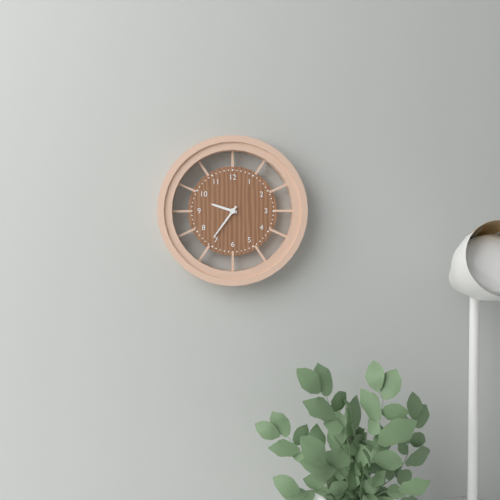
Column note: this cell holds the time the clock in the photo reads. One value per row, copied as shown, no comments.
9:36
